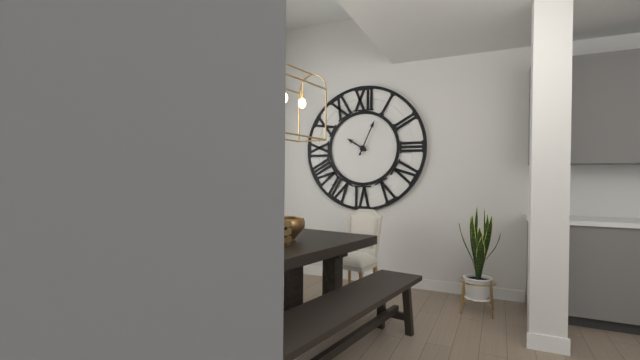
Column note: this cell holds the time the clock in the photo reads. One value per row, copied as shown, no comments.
10:04
